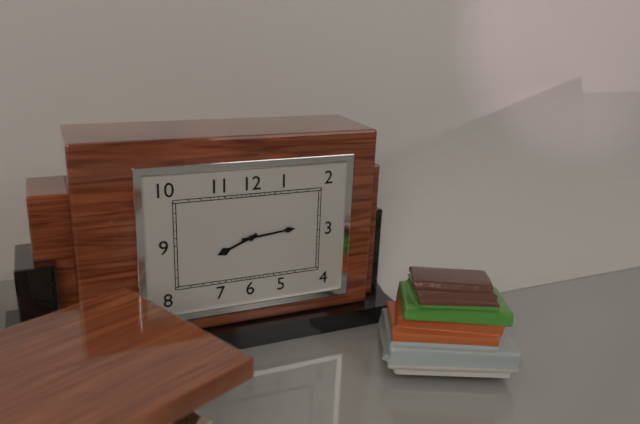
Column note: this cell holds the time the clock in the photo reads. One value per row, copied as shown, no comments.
8:14
